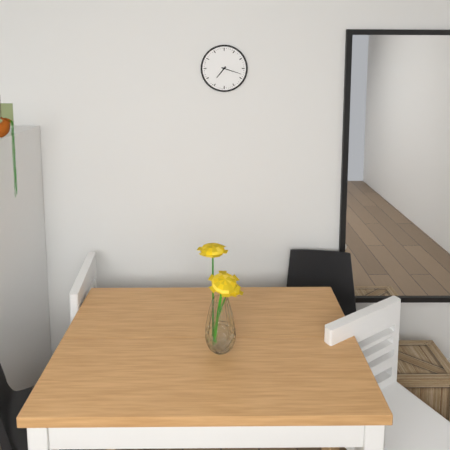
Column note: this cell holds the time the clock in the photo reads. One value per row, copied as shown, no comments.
7:18
